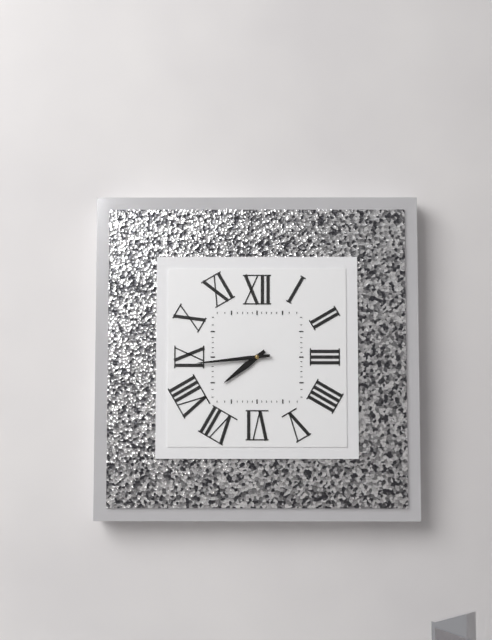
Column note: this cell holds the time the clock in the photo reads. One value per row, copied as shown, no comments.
7:44
